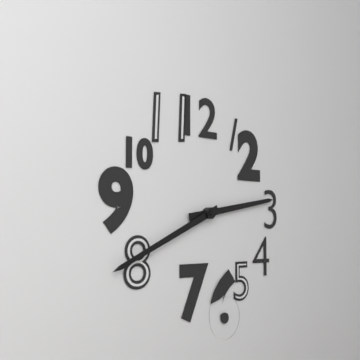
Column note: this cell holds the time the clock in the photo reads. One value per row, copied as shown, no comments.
2:41
